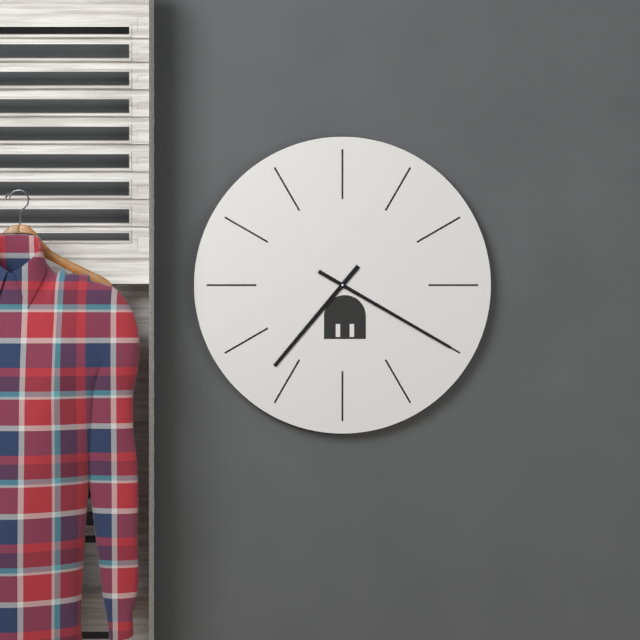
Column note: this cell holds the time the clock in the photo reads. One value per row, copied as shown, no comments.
7:20
